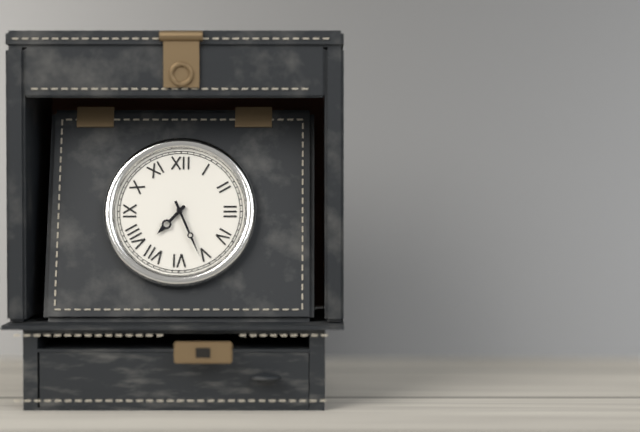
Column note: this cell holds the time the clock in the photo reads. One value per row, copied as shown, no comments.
7:26
